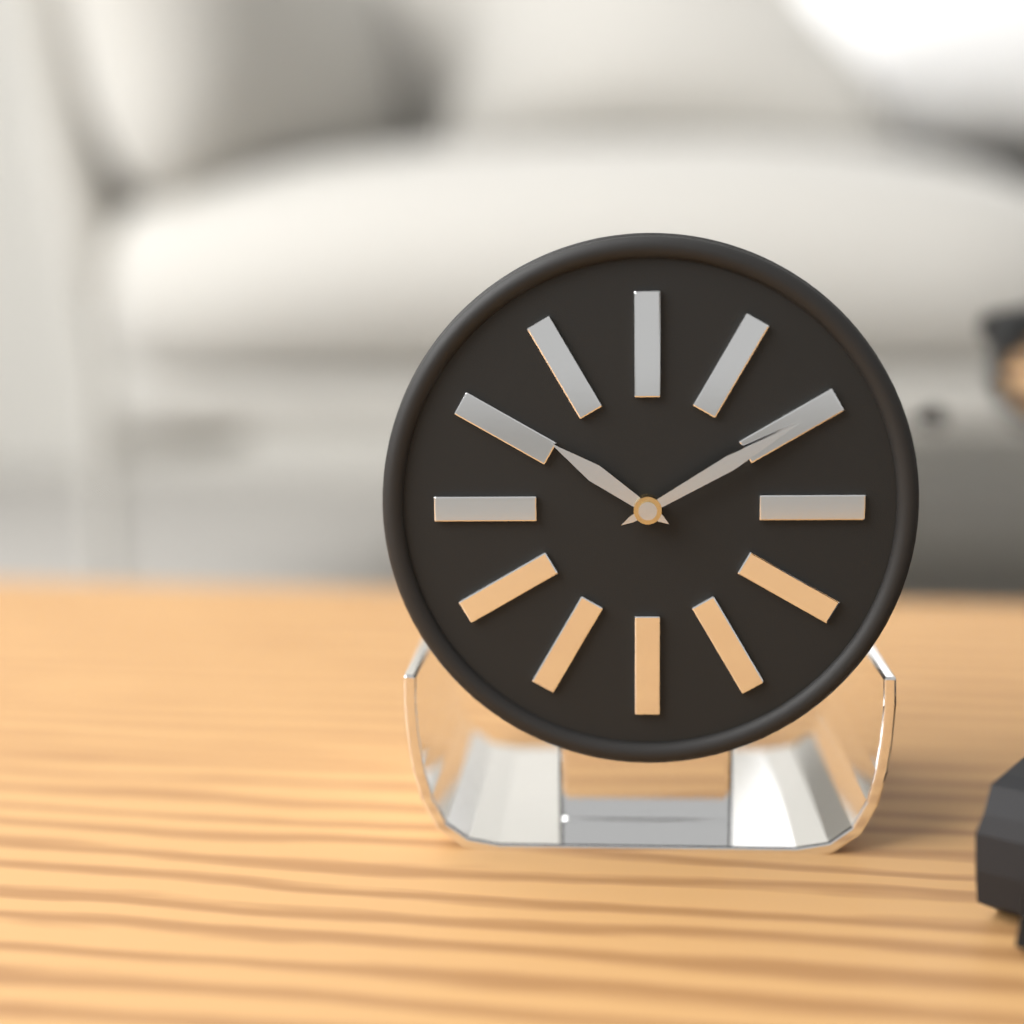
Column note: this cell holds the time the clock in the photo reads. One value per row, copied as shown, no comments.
10:10
